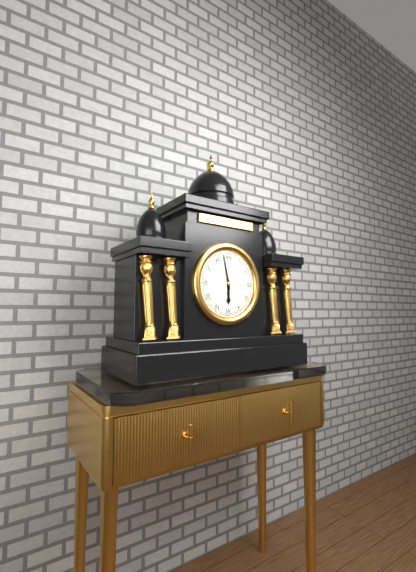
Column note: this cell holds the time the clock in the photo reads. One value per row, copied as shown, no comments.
5:58
